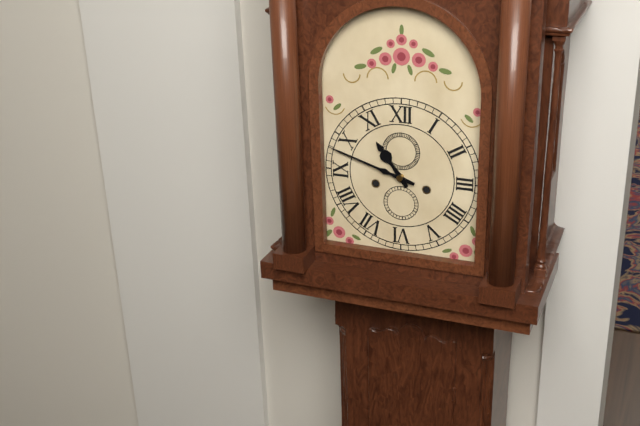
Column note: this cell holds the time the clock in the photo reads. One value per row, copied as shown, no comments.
10:48
